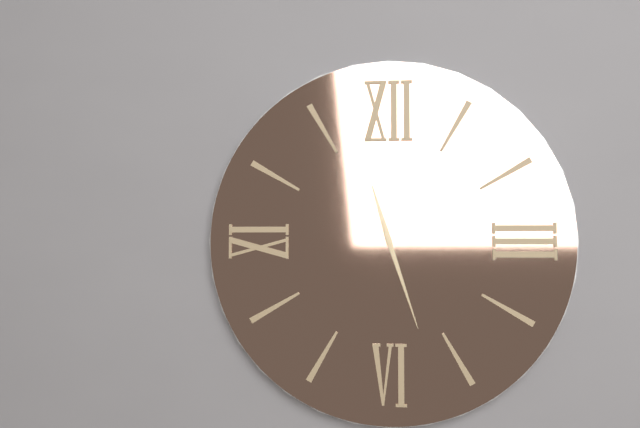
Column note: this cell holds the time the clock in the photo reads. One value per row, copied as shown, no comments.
11:27
